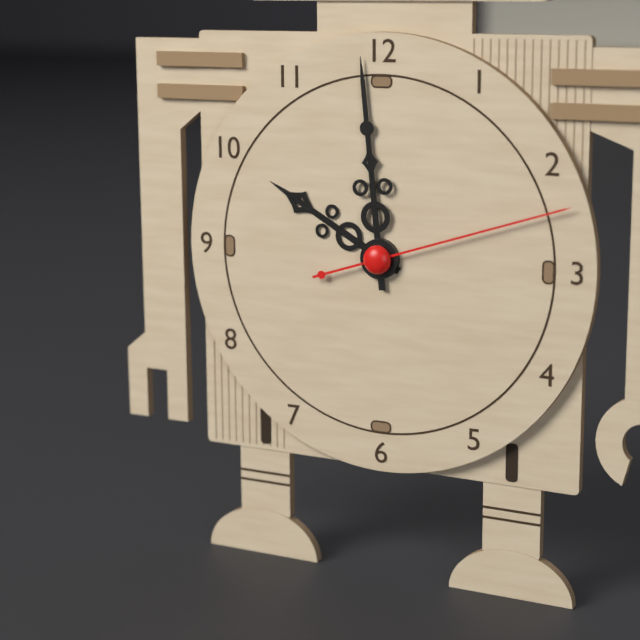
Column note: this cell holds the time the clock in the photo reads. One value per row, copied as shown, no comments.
9:59:12
